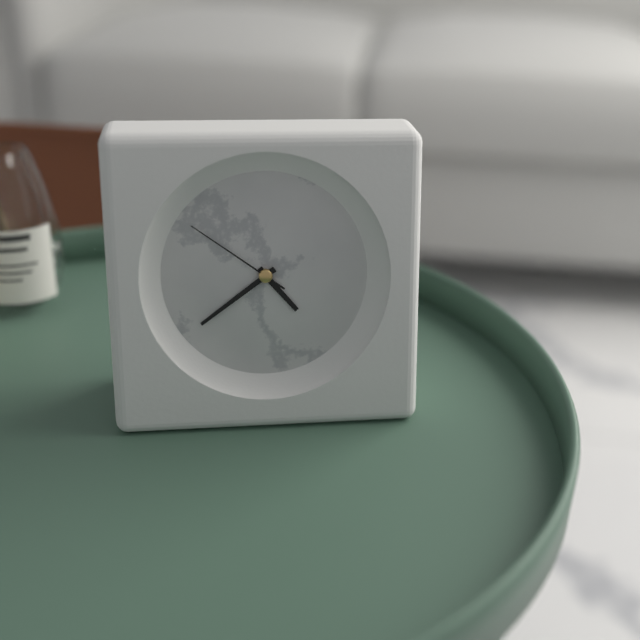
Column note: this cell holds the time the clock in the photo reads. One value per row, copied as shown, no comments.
4:39:51
